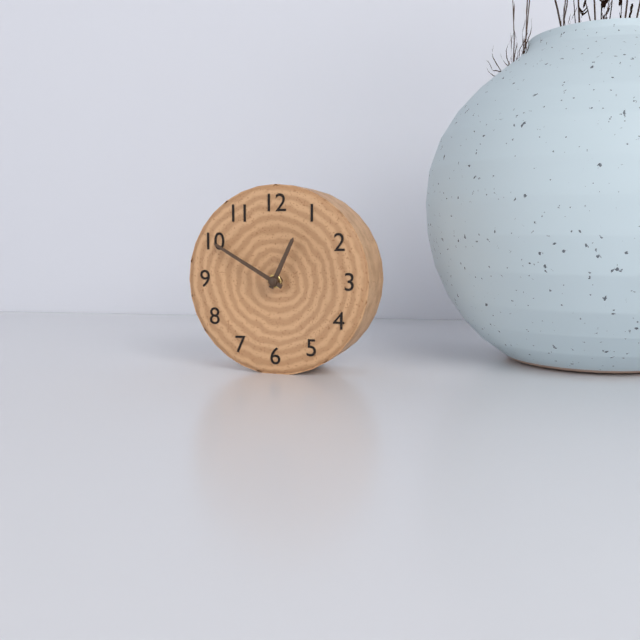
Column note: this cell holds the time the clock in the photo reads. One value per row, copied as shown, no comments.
12:50
